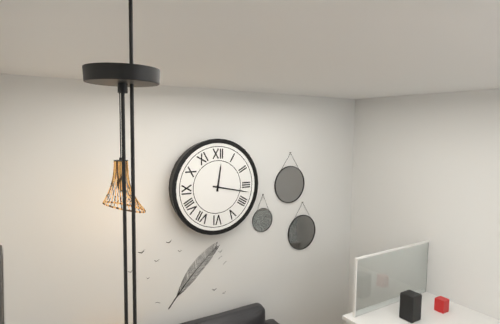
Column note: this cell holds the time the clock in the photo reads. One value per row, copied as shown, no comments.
12:17
